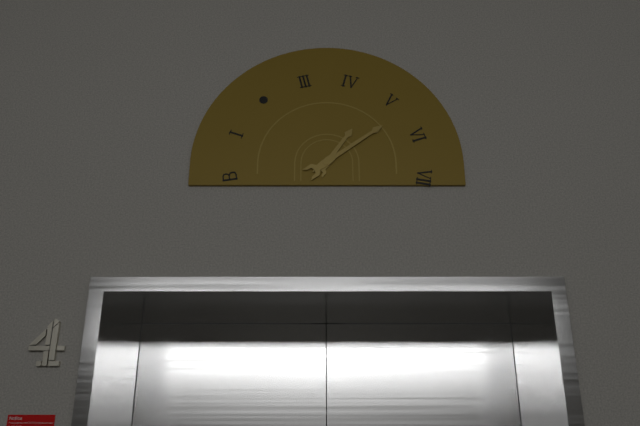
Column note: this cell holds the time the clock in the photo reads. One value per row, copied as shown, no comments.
1:09
